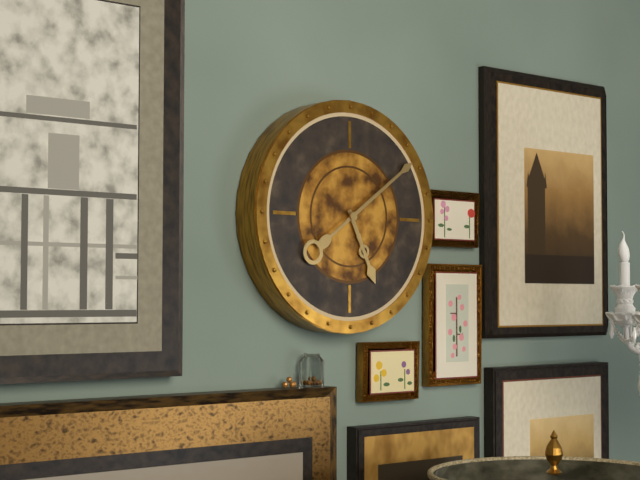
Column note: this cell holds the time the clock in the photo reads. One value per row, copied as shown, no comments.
5:09
